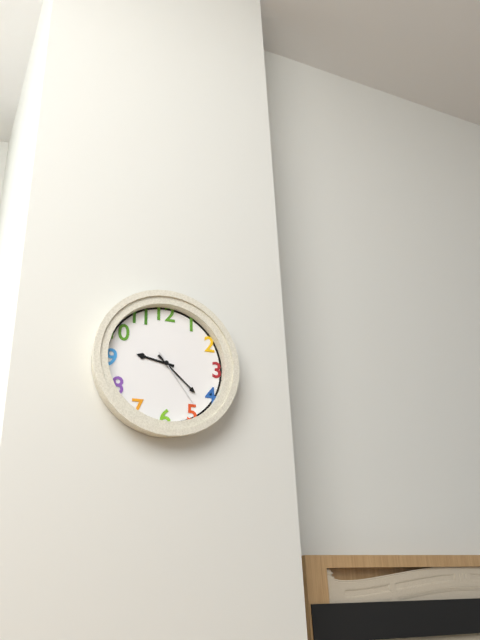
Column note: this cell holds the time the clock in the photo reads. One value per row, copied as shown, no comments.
9:22:24
